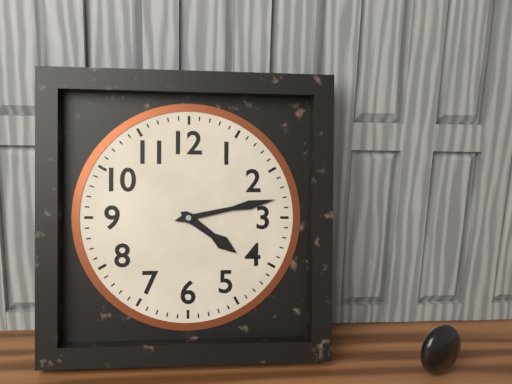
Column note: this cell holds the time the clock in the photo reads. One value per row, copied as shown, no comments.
4:13
